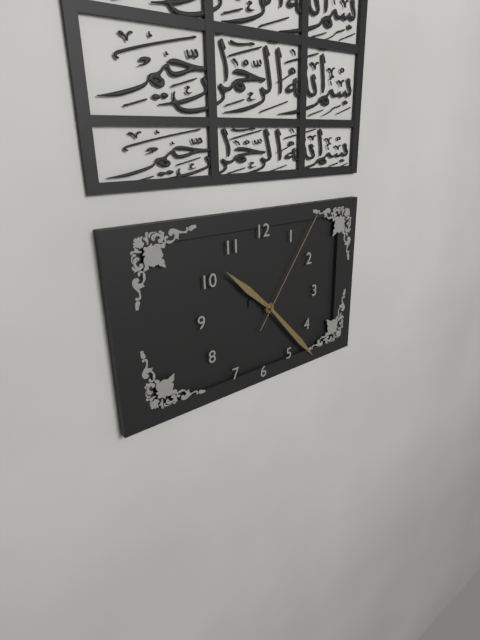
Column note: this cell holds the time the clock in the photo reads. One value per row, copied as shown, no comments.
10:23:06
